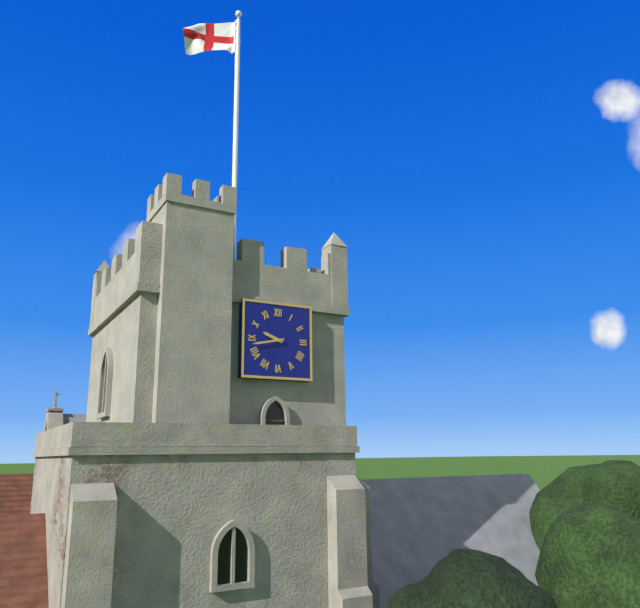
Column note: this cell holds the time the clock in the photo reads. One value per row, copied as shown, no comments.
9:43
